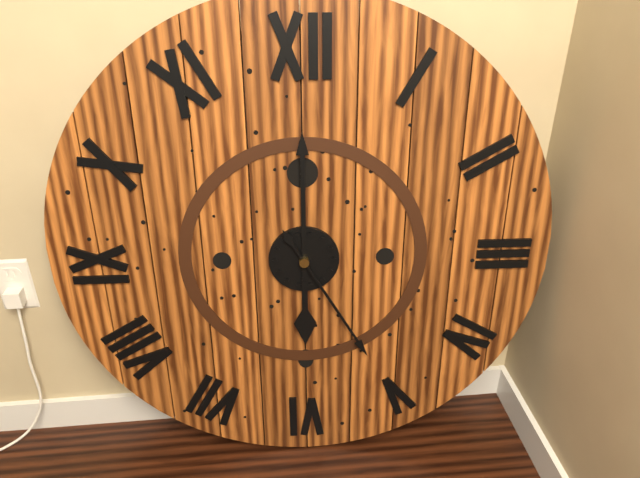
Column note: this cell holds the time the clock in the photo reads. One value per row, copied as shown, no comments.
6:00:25
